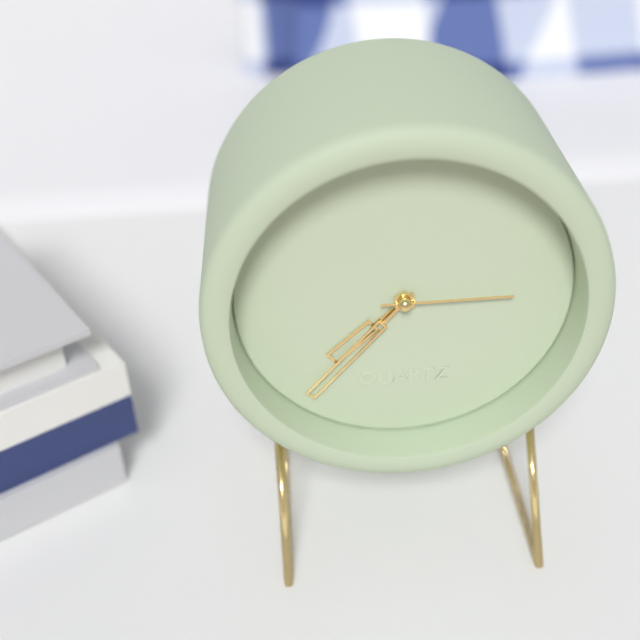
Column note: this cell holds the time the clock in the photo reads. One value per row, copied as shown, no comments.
7:37:15
